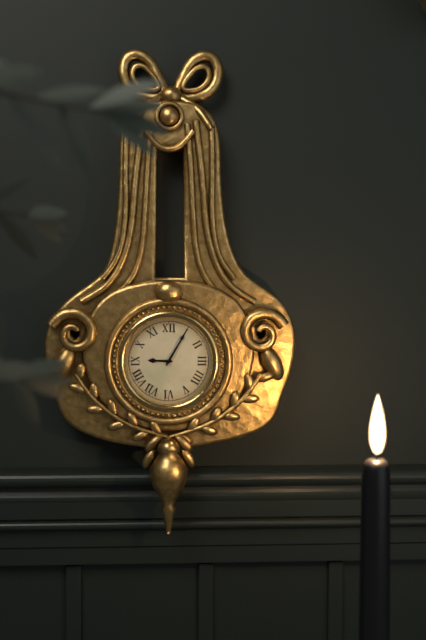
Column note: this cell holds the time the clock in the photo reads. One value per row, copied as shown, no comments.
9:05
